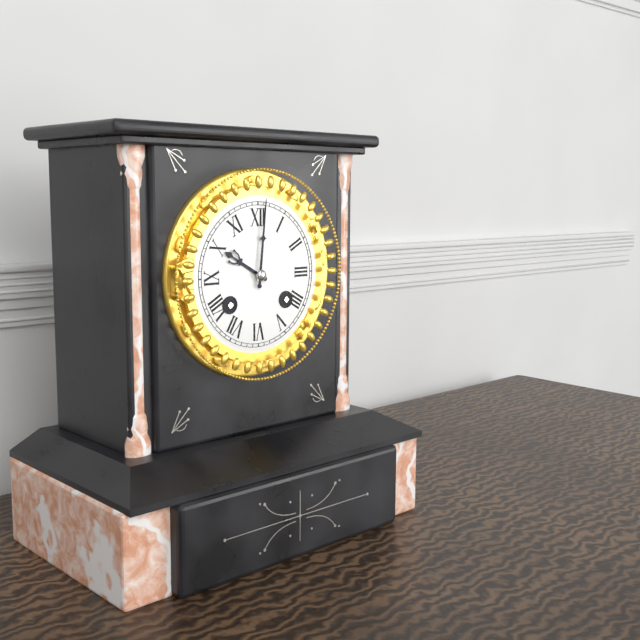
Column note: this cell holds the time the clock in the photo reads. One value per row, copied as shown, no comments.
10:01
